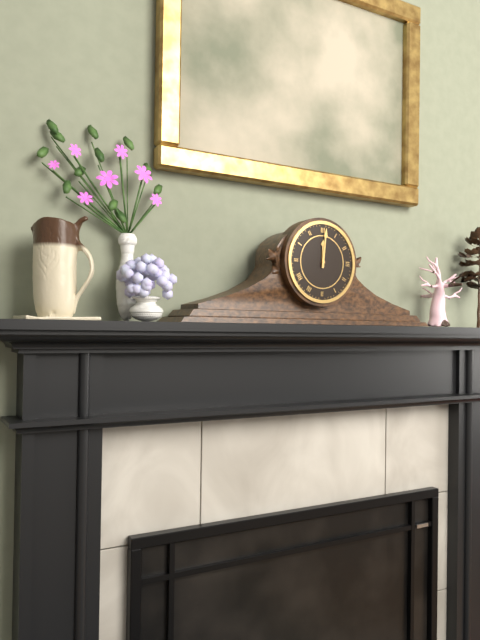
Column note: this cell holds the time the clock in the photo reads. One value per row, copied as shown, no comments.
12:01
